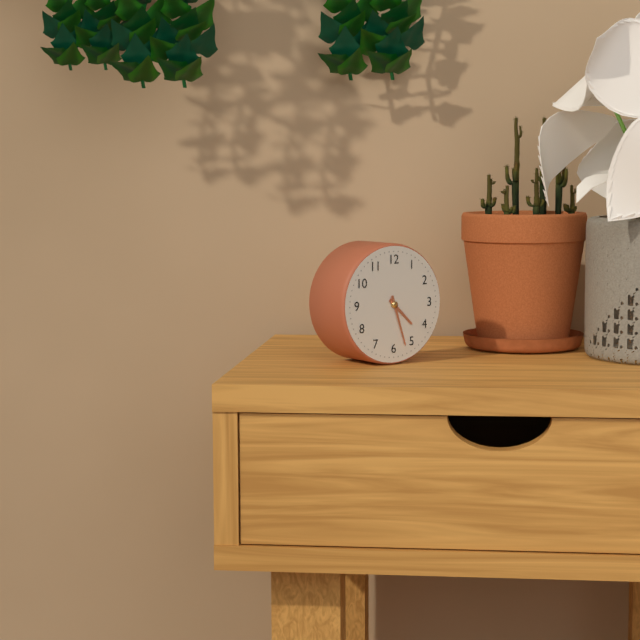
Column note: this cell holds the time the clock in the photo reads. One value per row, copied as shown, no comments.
4:27
